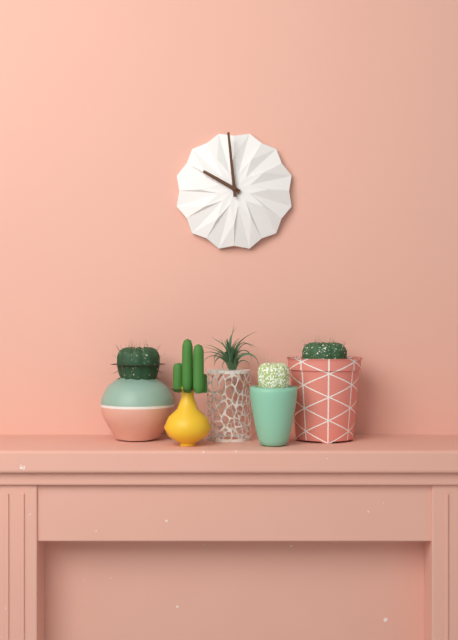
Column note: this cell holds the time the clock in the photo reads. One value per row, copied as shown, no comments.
9:59
